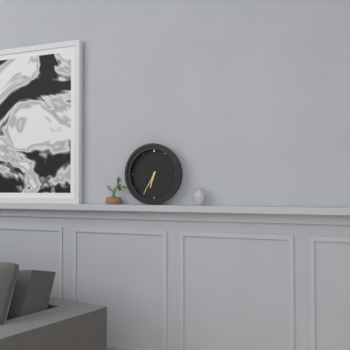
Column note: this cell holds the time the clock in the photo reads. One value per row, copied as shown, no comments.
6:35
